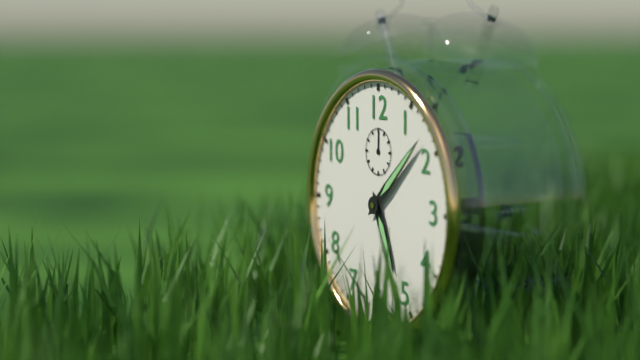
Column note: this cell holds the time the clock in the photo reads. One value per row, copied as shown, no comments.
5:08
